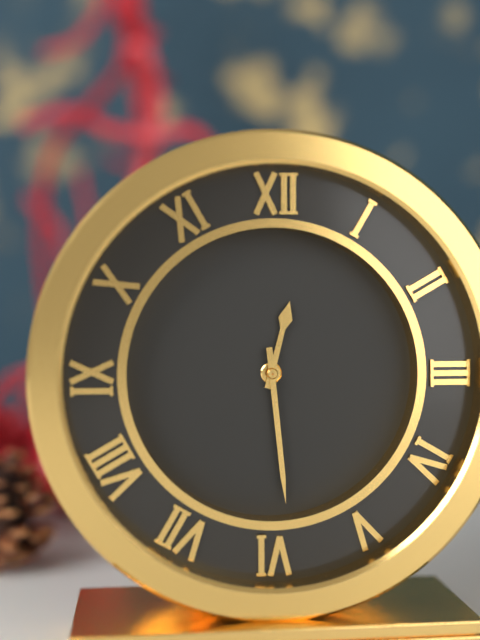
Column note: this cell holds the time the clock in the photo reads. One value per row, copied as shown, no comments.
12:29
